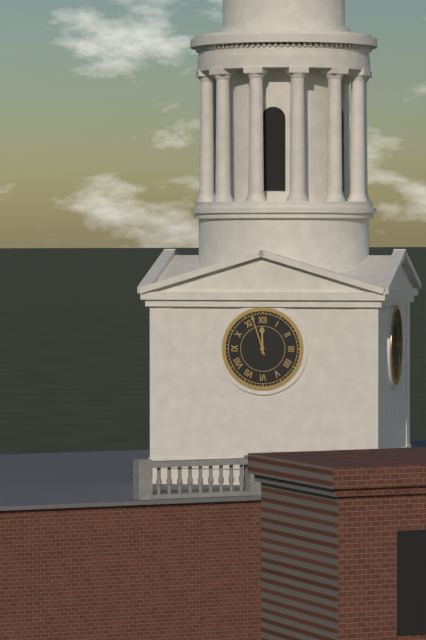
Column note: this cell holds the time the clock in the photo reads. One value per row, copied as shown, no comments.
11:57
